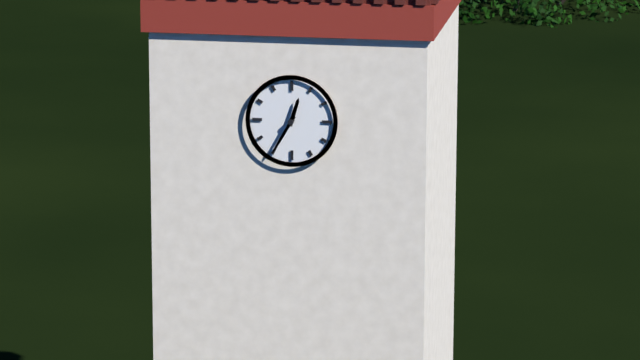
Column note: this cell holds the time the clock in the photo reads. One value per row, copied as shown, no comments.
12:35
